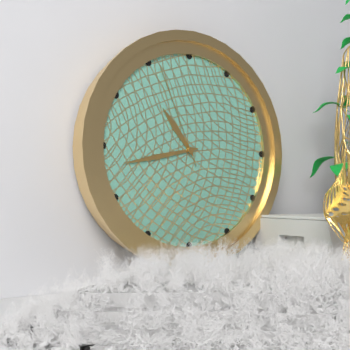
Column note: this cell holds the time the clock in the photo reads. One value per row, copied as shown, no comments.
10:43:56
